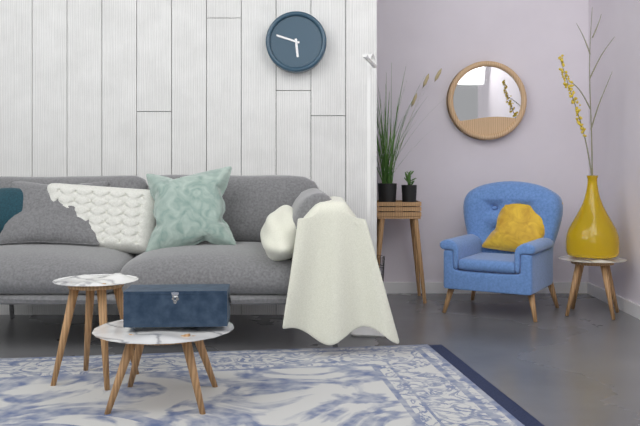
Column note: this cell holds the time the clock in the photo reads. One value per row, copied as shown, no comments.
5:48
